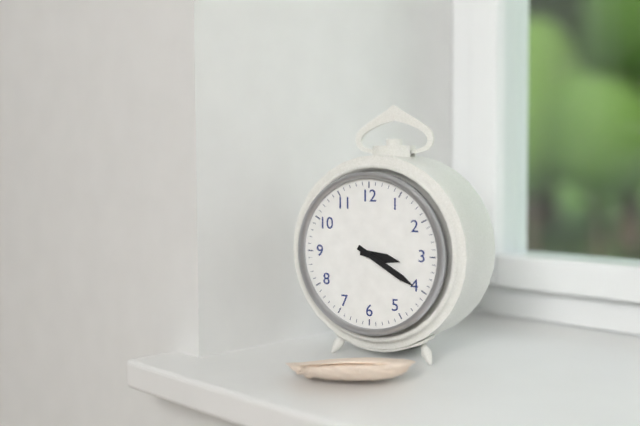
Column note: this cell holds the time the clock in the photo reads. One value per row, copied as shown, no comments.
3:20
